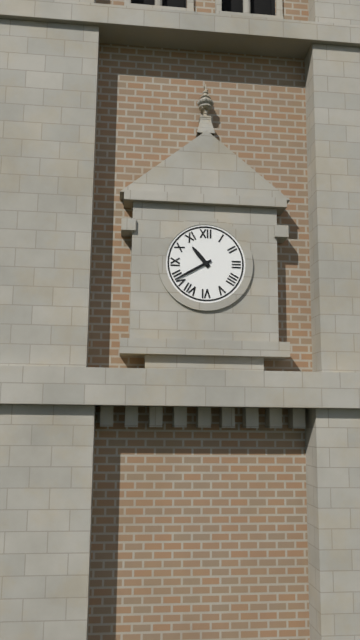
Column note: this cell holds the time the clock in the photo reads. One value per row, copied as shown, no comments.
10:40
